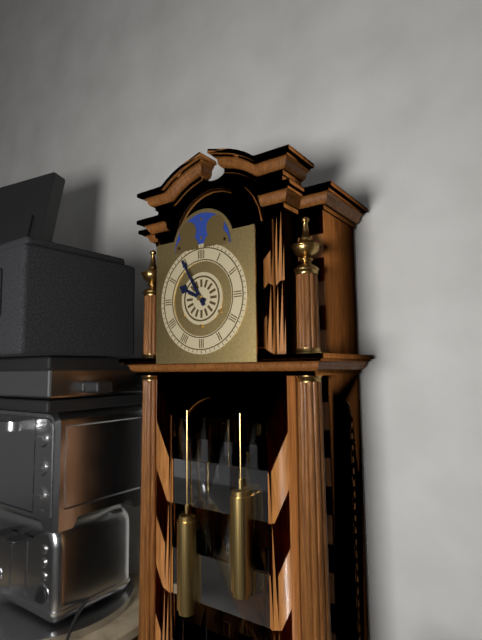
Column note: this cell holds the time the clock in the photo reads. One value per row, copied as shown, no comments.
9:55
